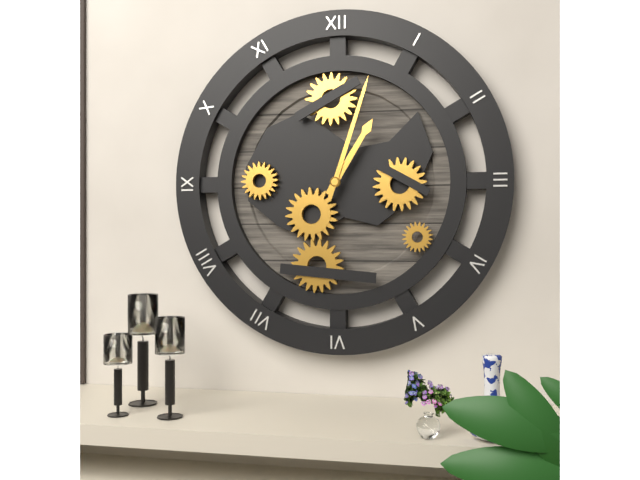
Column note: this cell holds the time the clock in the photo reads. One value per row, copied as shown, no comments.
1:03
